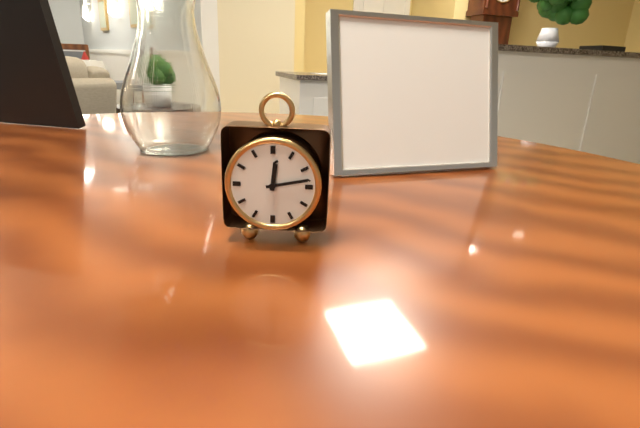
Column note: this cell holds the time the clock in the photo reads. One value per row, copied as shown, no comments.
12:13
